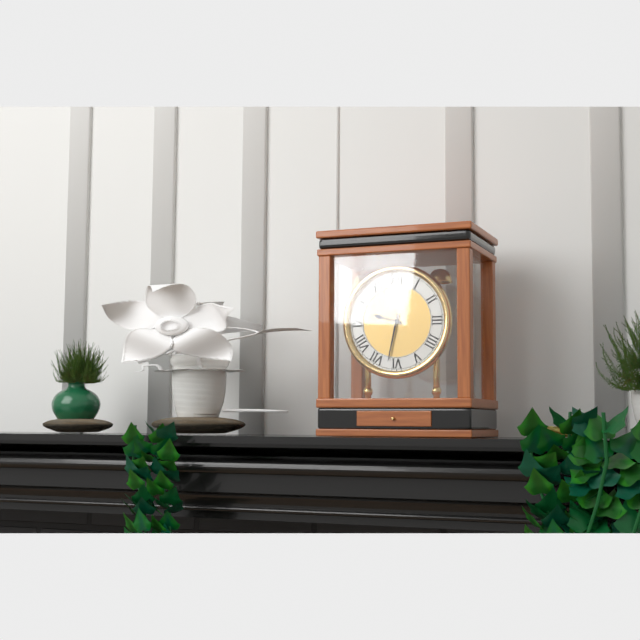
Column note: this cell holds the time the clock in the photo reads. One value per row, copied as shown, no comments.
9:32
